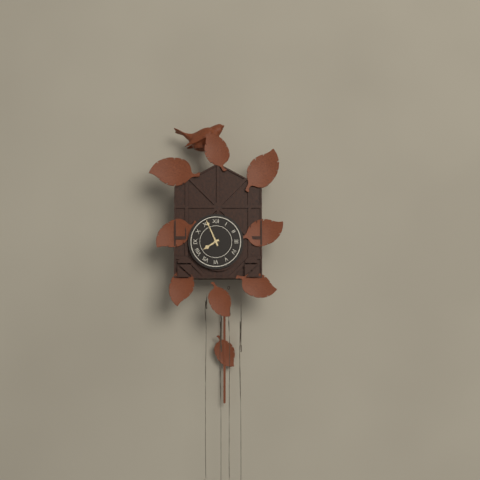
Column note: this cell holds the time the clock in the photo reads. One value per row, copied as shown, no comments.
7:56
